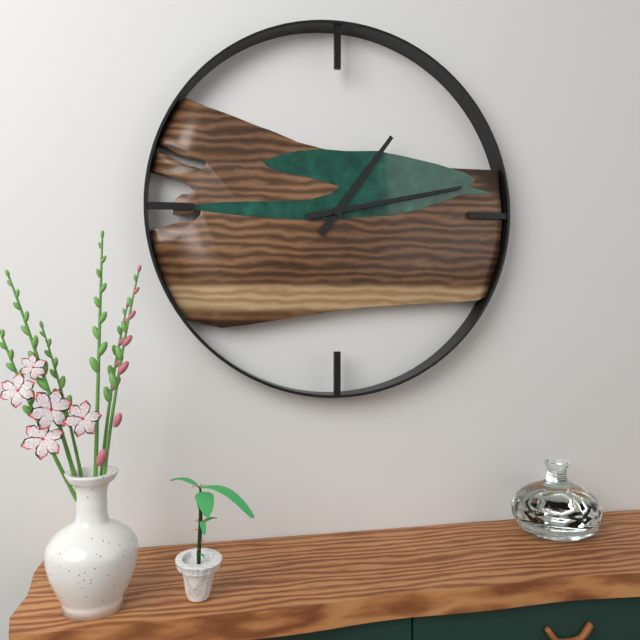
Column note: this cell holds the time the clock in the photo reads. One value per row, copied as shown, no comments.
1:13
